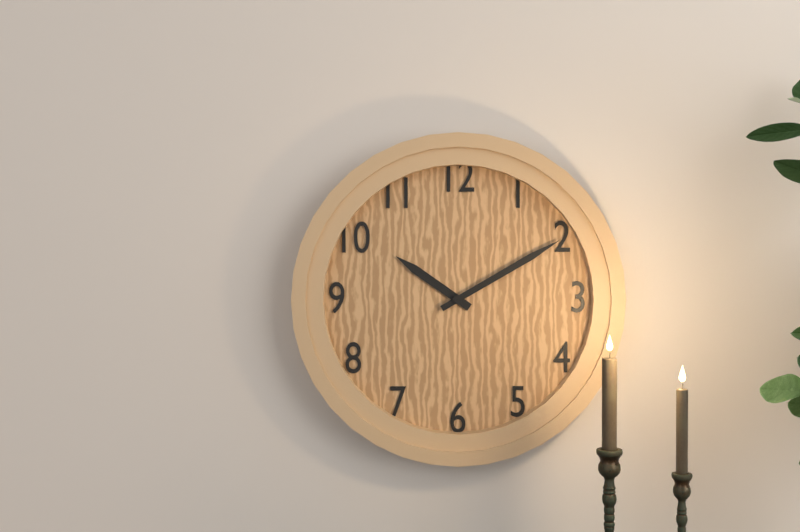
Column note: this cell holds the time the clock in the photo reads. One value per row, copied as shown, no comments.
10:10
